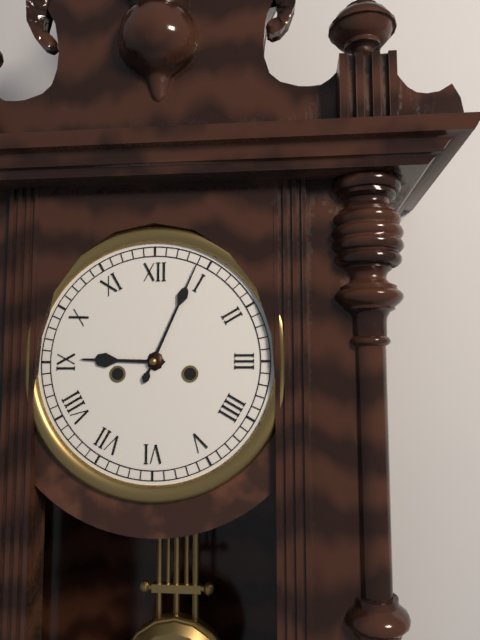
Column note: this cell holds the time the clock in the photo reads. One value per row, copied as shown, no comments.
9:04
